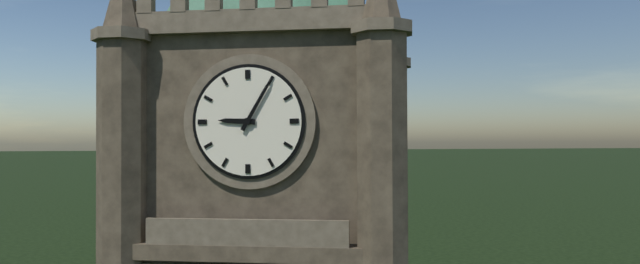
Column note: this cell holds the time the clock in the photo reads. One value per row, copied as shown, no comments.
9:05
